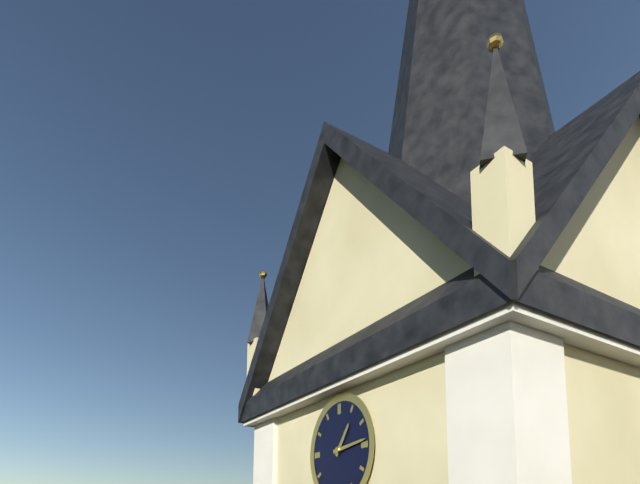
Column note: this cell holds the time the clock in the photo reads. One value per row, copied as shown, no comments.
1:14
